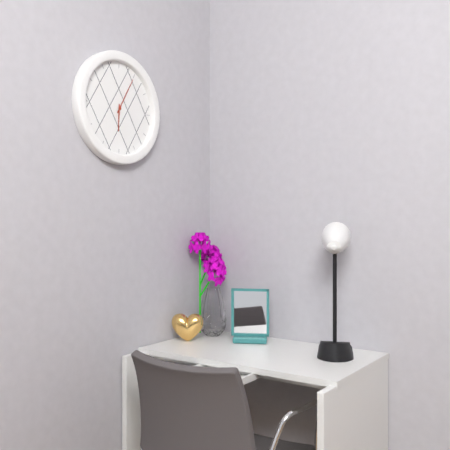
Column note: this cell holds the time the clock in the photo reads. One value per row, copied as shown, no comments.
6:05
